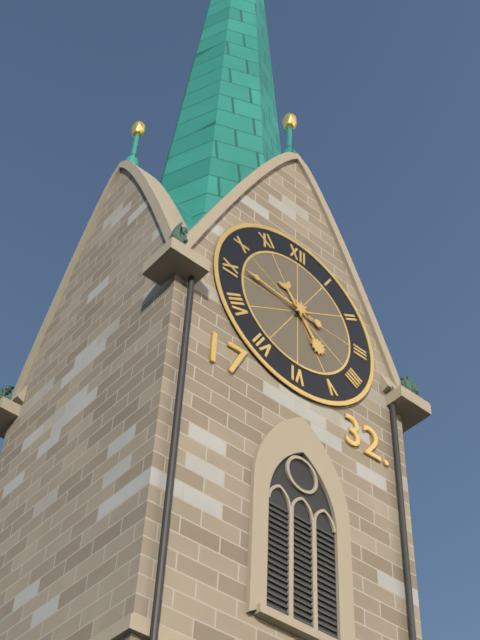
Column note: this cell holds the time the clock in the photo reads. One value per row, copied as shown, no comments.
4:46
